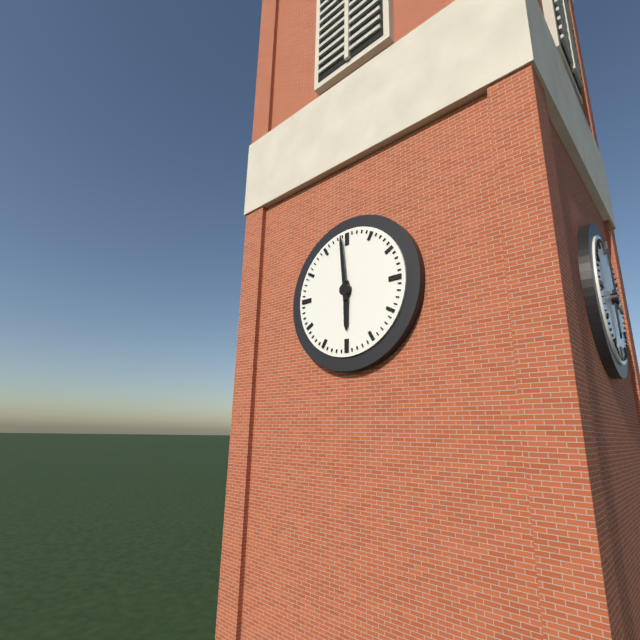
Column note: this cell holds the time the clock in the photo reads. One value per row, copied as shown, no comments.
5:59
